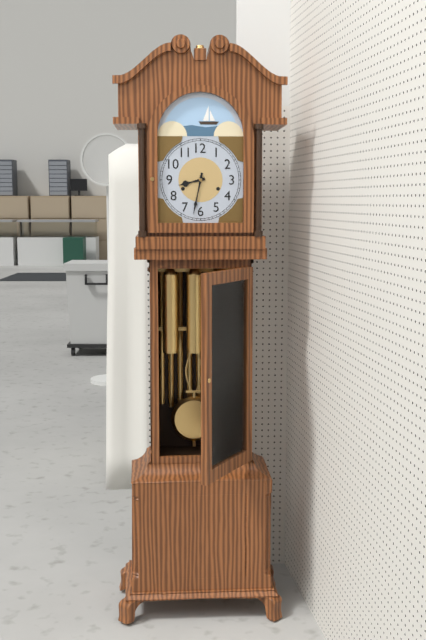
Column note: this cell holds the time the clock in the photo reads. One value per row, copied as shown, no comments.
8:32
